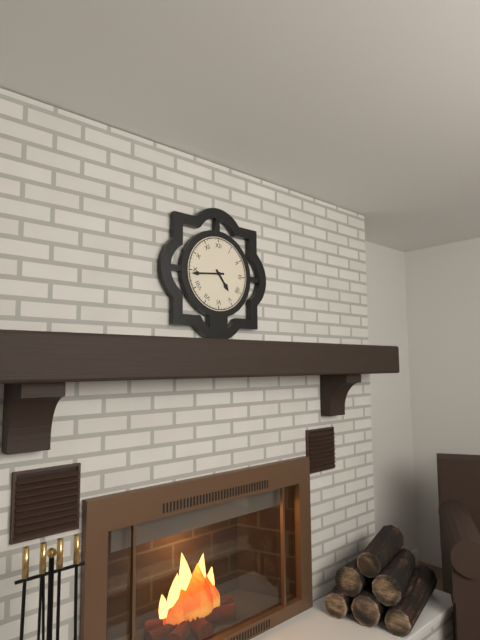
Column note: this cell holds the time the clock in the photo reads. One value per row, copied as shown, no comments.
4:44
